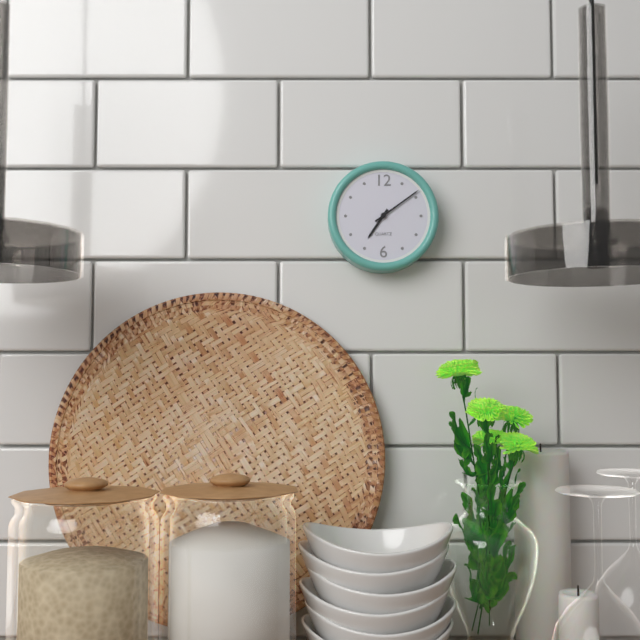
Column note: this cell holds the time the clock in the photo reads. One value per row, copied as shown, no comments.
7:09
